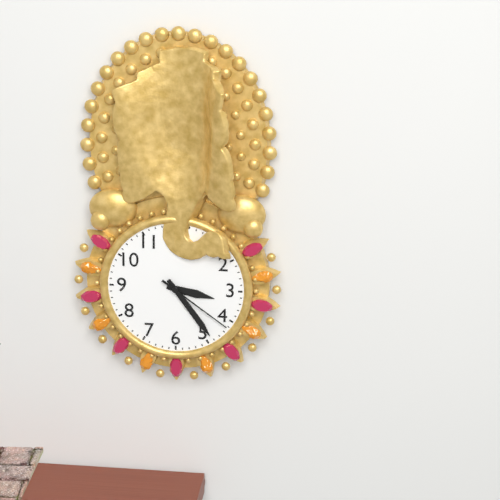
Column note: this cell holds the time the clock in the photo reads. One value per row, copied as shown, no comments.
3:24:21
